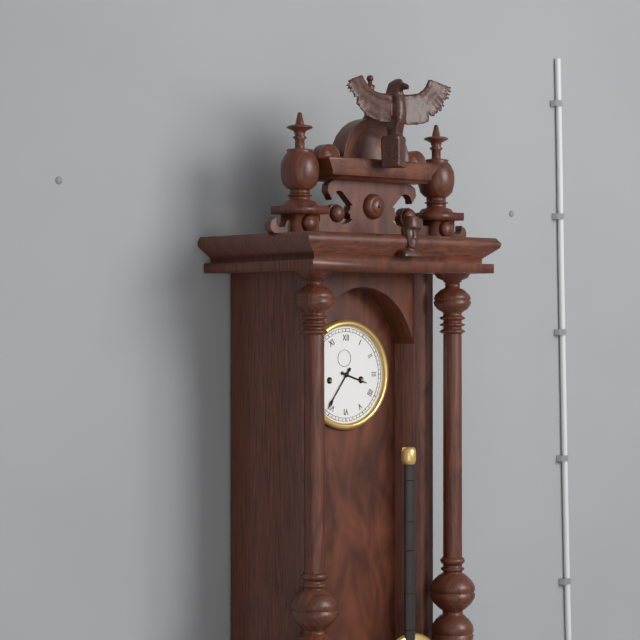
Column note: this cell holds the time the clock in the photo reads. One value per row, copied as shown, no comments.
3:36
